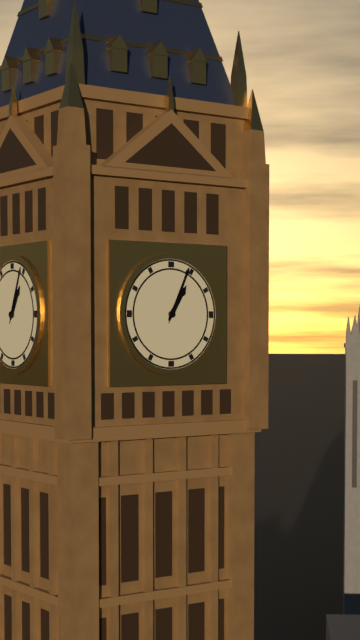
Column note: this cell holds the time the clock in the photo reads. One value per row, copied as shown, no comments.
1:04
